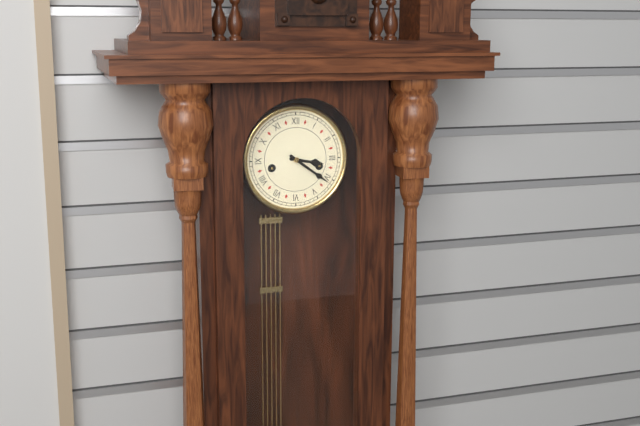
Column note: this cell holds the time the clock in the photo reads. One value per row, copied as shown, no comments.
3:21
